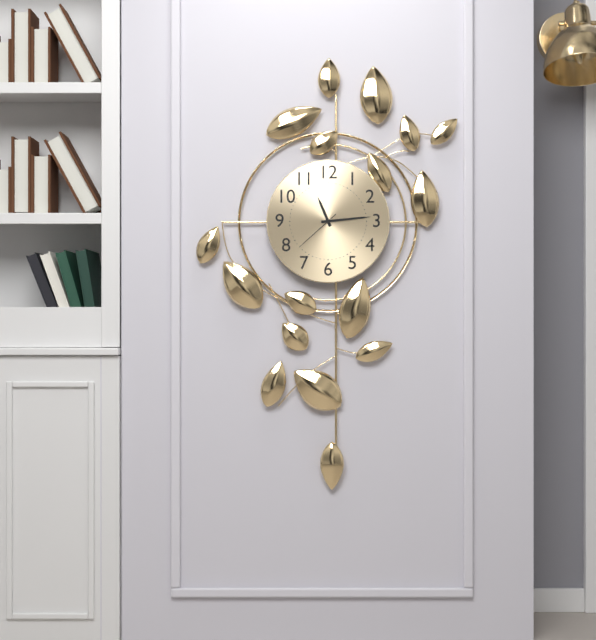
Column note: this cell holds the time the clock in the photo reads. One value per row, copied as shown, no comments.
11:14
